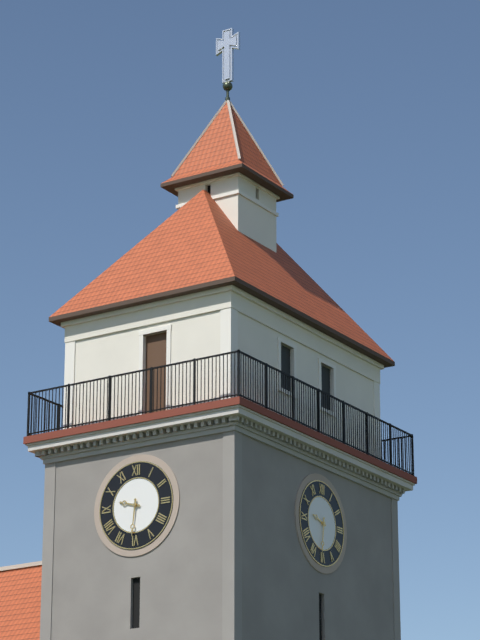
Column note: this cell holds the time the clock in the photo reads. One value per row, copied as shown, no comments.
9:31
